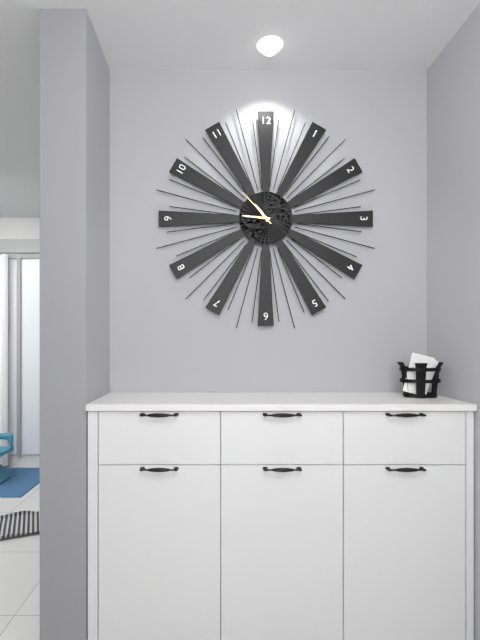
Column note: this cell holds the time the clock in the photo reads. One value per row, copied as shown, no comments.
10:46
